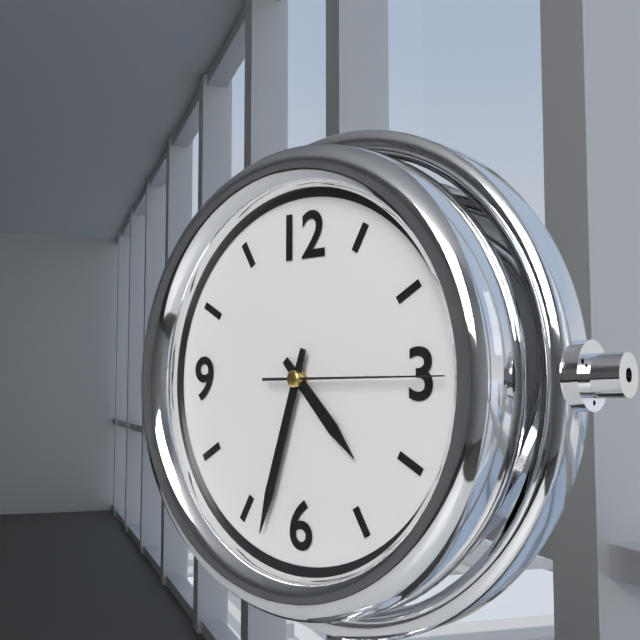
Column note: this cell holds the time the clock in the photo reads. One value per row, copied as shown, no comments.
4:33:15
